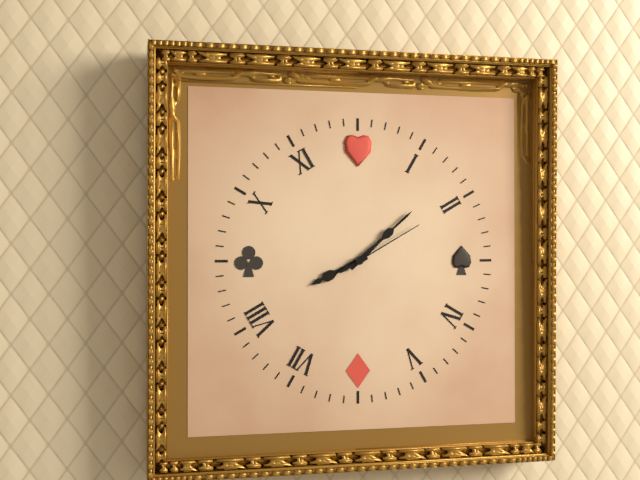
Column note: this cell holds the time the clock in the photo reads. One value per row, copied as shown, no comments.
8:08:10
